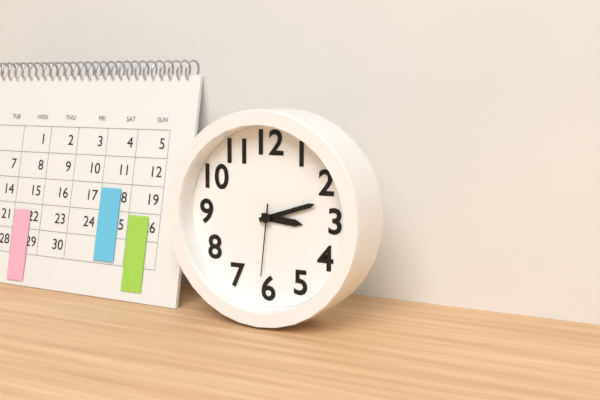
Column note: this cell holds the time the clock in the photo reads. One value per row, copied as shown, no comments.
3:12:31
